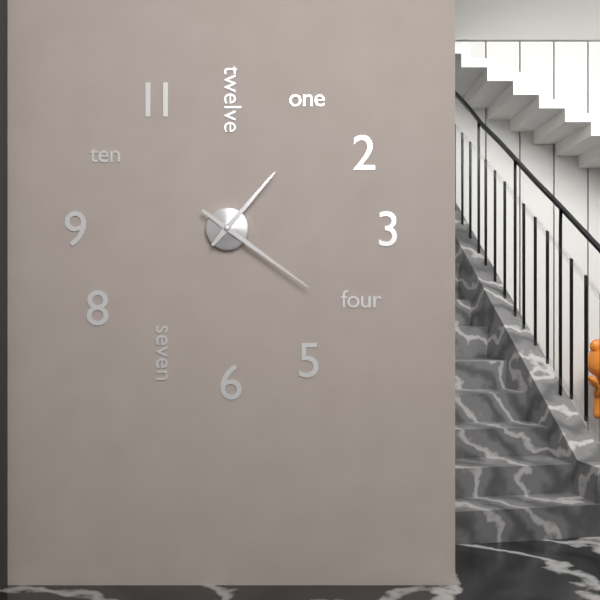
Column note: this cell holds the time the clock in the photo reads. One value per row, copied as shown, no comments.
1:21
